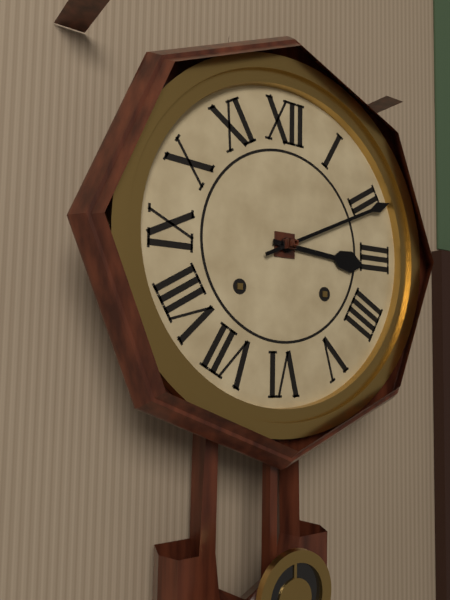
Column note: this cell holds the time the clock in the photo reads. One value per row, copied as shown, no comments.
3:11
